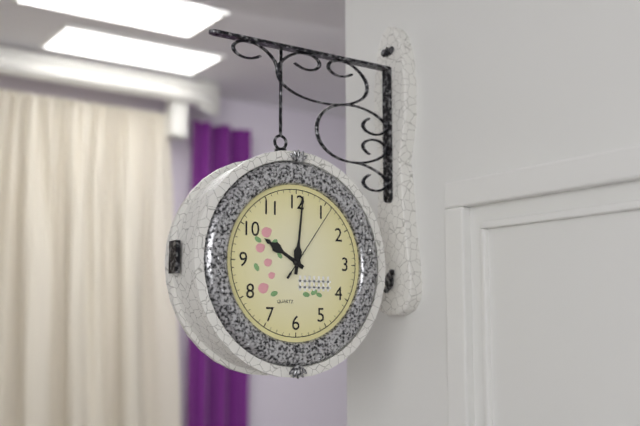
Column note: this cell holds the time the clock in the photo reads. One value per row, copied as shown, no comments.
10:01:06
